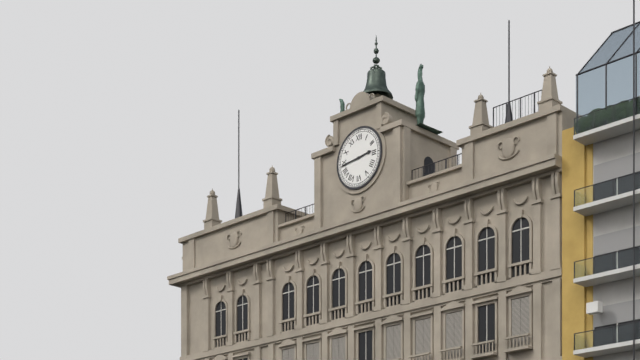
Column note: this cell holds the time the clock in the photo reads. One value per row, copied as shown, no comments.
2:44
